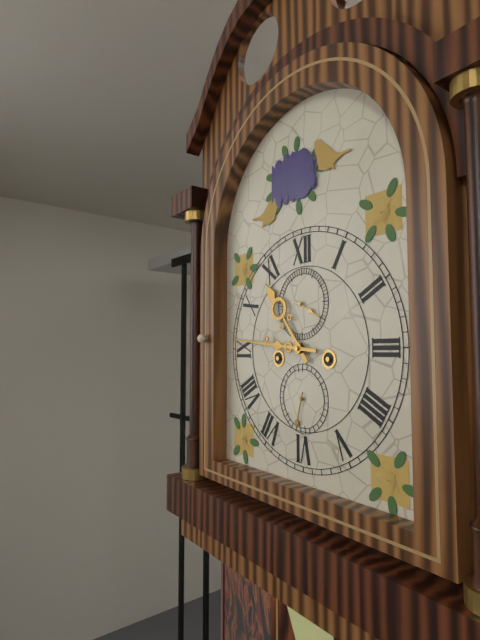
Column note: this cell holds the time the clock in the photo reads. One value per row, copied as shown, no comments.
10:46
